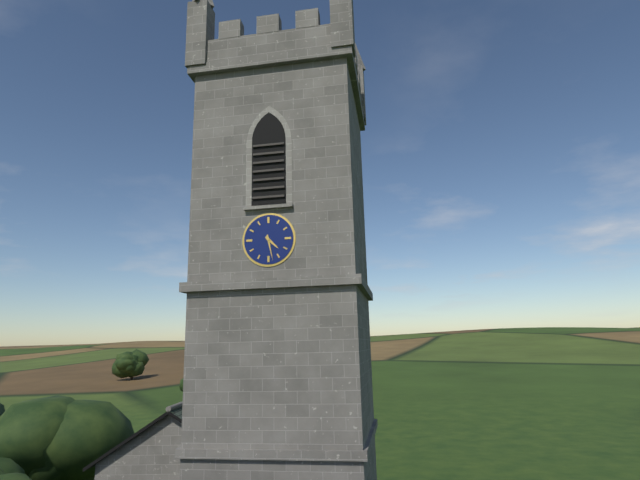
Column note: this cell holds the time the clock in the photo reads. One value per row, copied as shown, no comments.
4:28
